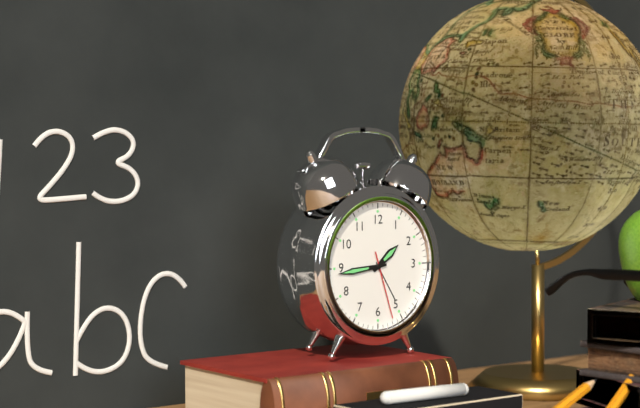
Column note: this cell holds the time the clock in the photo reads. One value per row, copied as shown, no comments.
1:44:27
